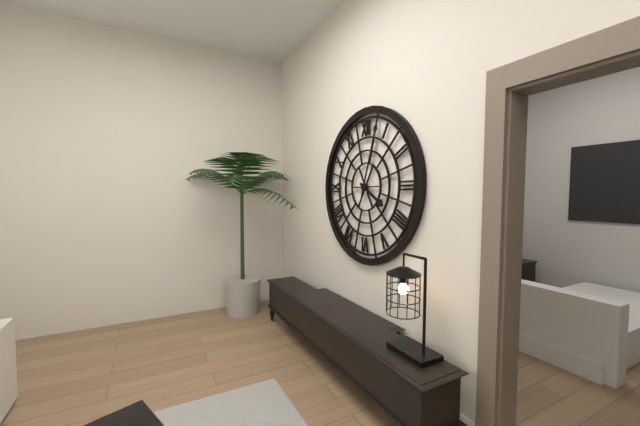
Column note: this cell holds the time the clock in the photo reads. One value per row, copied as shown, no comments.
4:03
